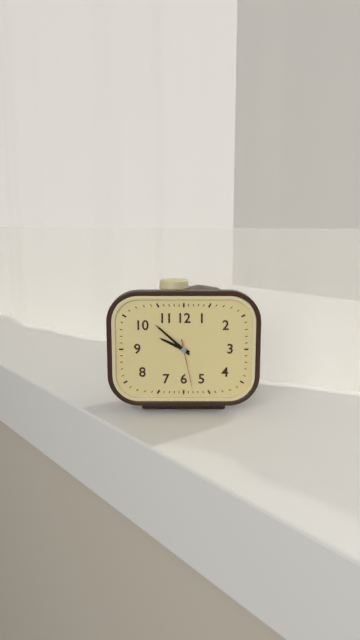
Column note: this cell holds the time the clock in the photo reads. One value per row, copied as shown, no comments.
9:52:28
